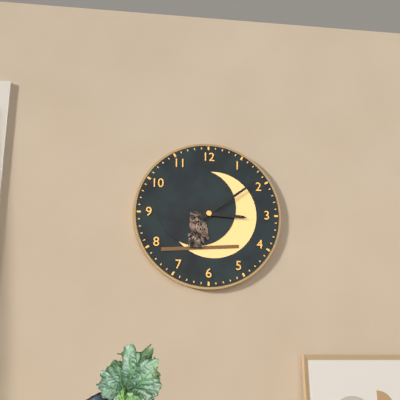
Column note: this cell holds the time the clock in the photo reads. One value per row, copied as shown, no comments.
3:09
